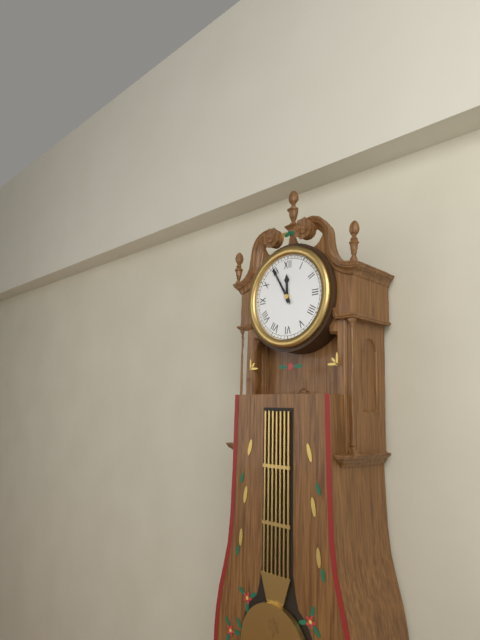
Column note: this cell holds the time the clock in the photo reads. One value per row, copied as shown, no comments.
11:55
